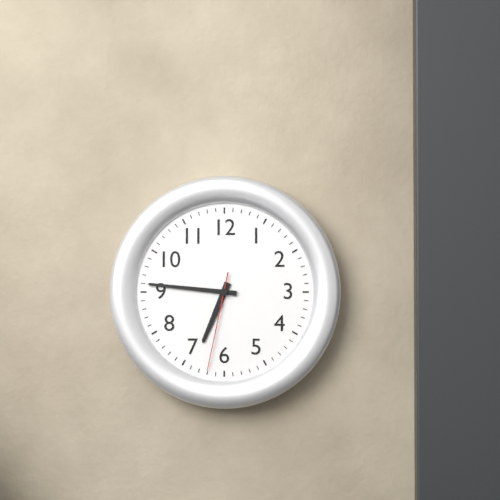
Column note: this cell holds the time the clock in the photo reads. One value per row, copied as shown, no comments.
6:46:32
